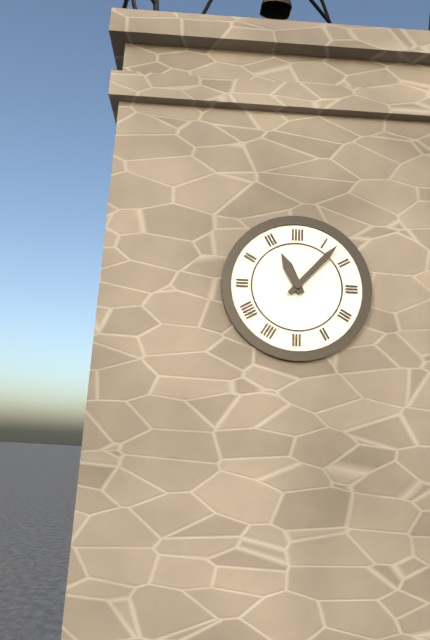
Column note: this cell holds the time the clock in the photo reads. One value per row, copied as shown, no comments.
11:07
